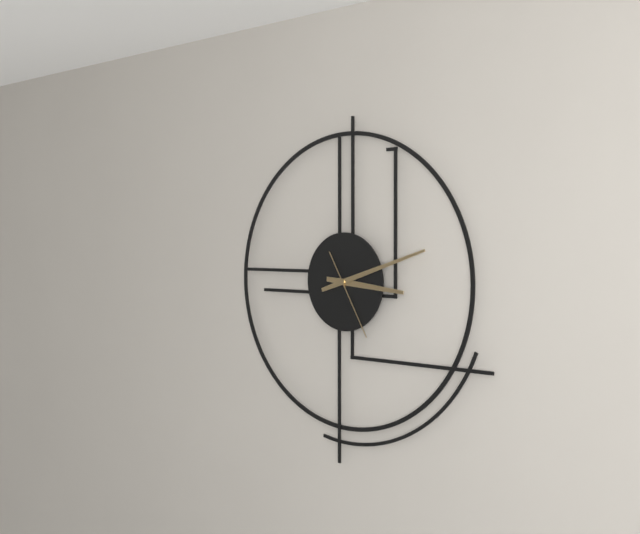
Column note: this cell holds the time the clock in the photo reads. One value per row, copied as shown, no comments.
3:12:25
